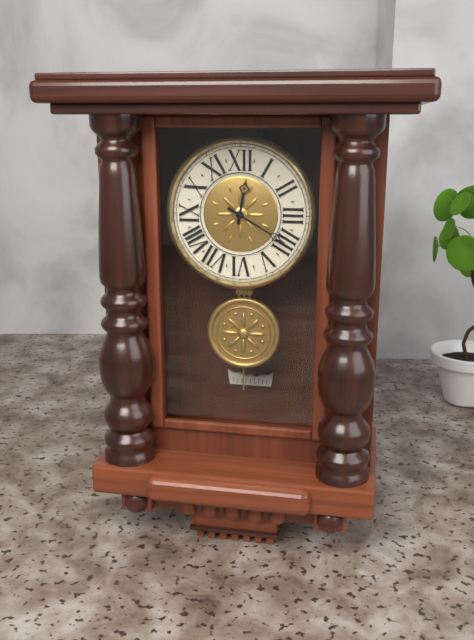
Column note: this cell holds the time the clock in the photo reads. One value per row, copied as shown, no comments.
12:20
